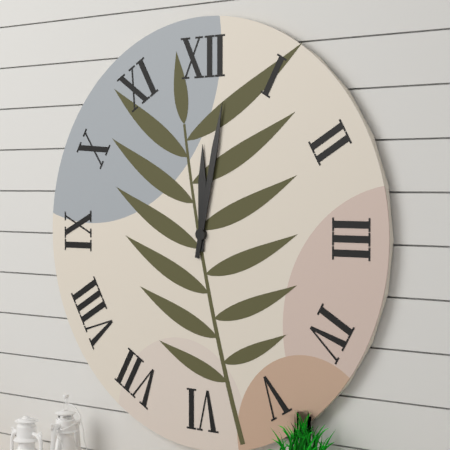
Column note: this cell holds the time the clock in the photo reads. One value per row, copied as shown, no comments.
12:02
